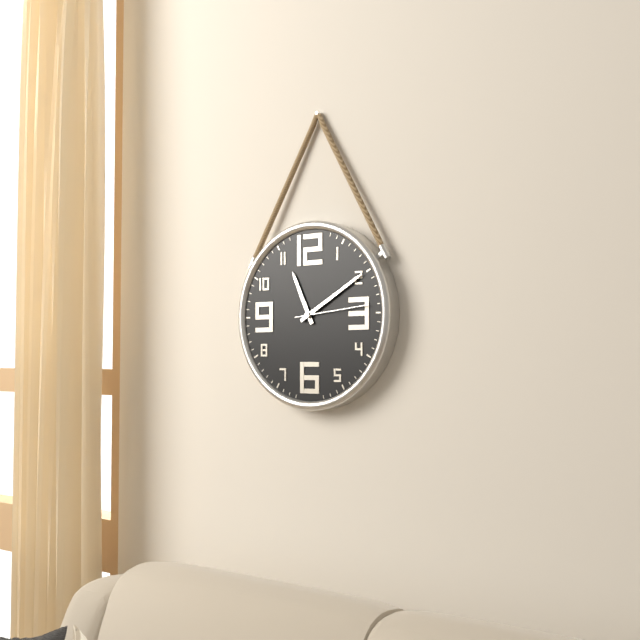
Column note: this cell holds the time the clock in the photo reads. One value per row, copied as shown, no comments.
11:10:14
